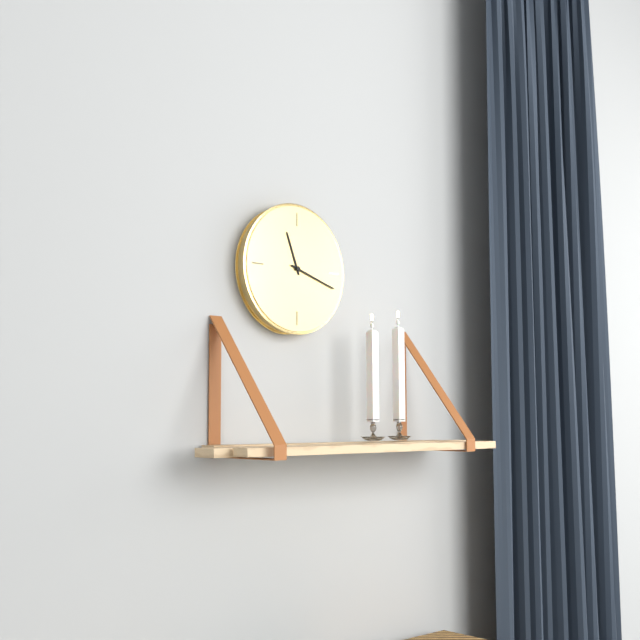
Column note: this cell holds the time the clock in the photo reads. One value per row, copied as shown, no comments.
11:18
